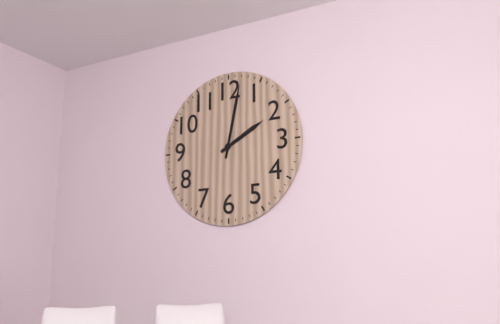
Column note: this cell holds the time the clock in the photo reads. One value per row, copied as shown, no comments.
2:02
